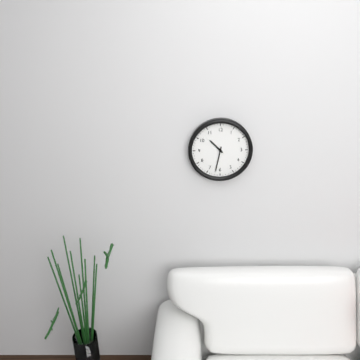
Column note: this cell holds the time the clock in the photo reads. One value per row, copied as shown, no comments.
10:32
